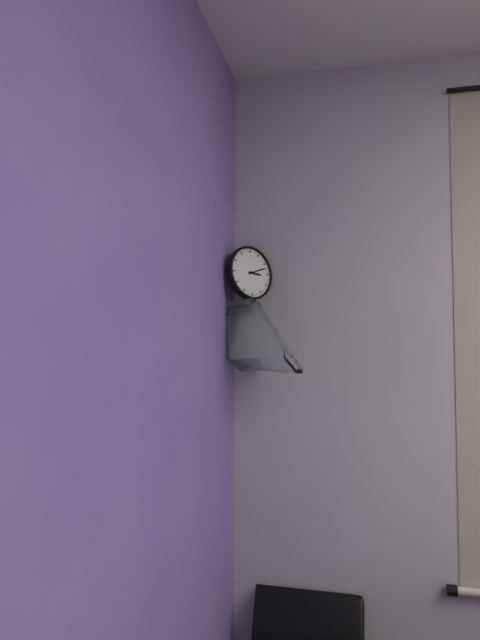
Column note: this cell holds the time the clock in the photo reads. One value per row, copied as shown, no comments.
3:12
